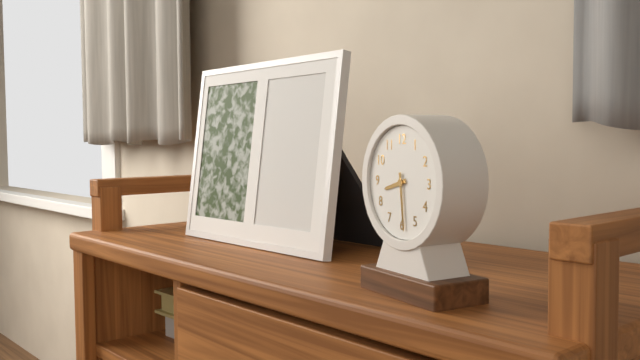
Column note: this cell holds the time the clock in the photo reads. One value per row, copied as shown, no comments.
8:29
